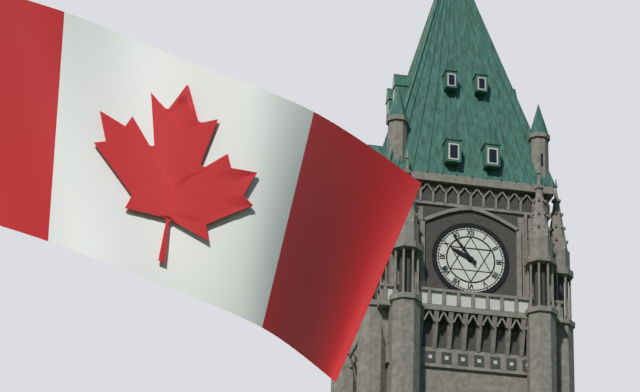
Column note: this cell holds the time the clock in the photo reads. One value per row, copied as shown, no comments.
9:54
